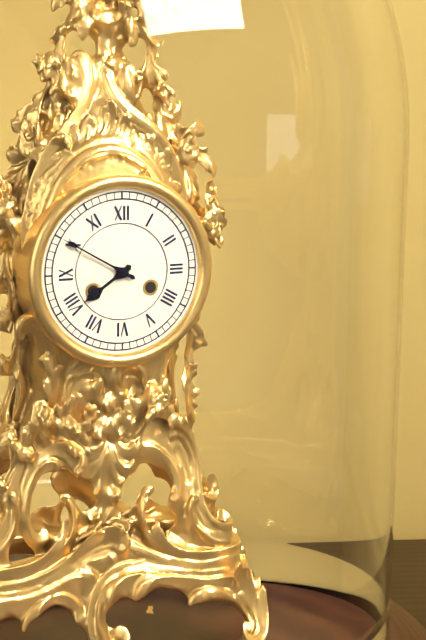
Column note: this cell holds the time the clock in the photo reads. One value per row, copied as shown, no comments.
7:50
